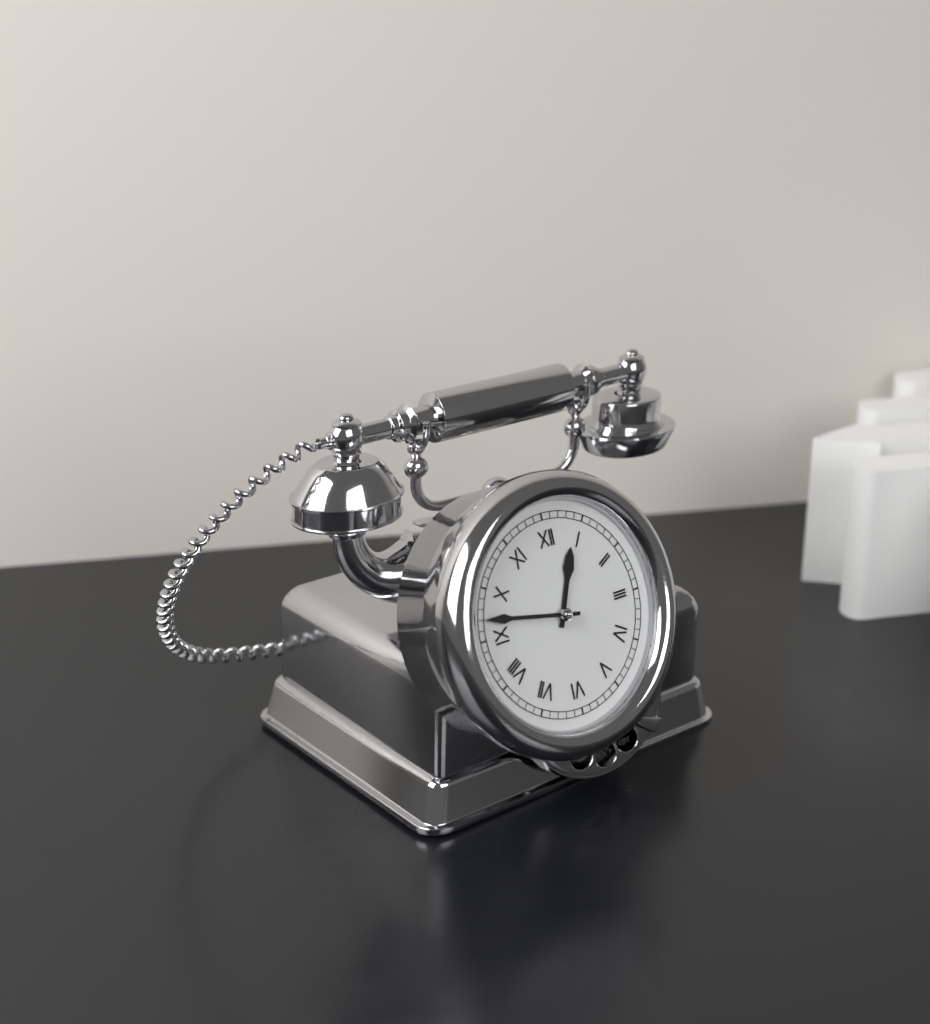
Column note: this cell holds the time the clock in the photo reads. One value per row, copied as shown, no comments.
12:47
